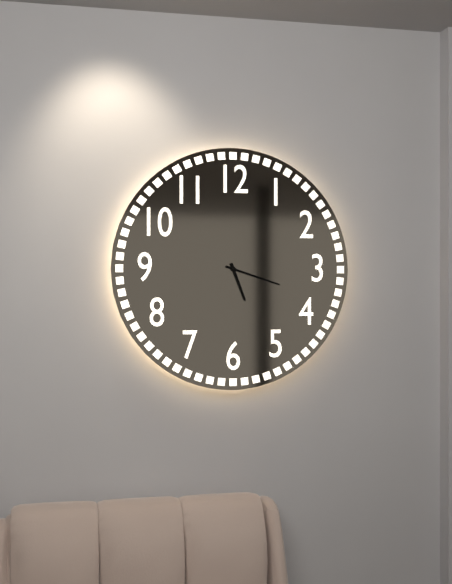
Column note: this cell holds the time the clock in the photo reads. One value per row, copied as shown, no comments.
5:18
